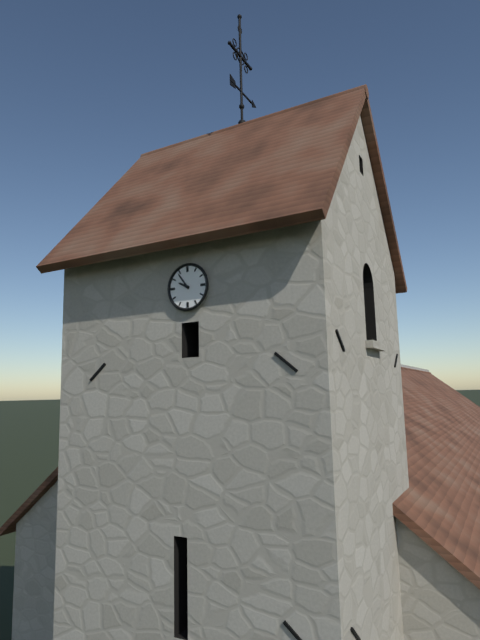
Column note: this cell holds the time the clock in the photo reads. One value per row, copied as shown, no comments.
9:54
